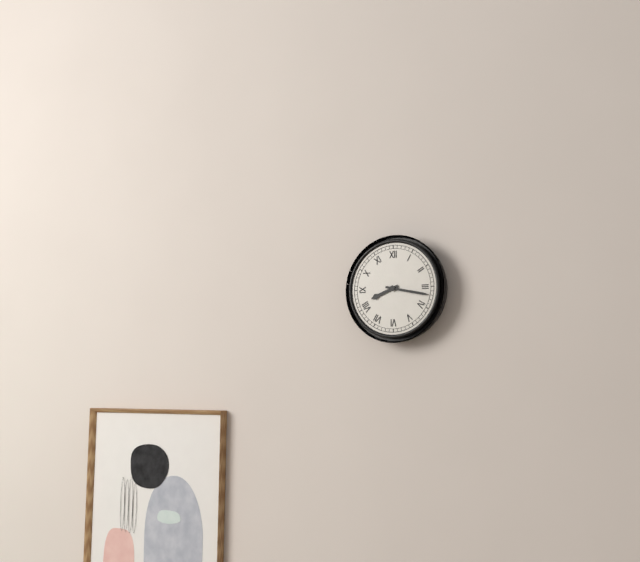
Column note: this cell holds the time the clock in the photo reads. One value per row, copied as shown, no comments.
8:17
